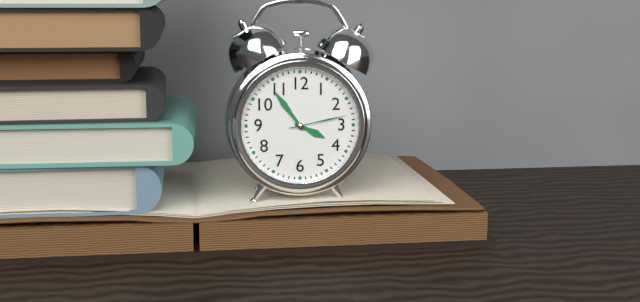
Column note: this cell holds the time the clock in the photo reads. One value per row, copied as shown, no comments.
3:54:13
